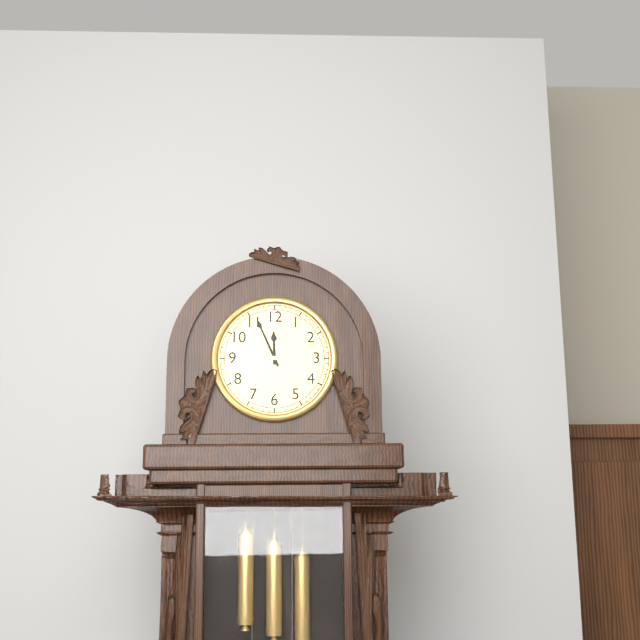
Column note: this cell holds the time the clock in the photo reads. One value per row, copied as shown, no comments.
11:56
